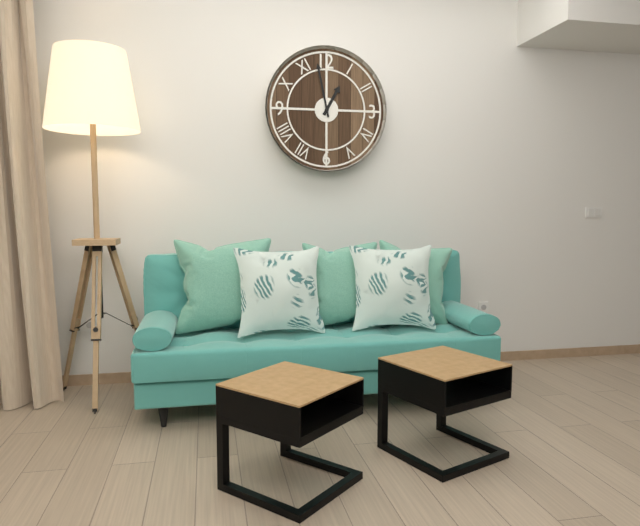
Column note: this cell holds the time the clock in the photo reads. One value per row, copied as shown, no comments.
12:58
